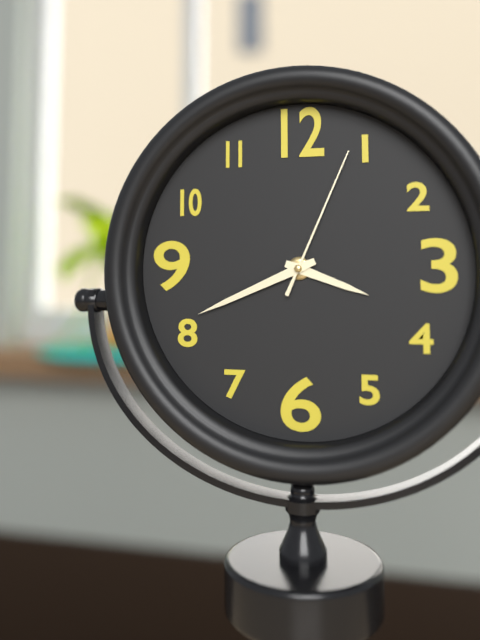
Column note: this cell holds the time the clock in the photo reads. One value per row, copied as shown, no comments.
3:41:04
